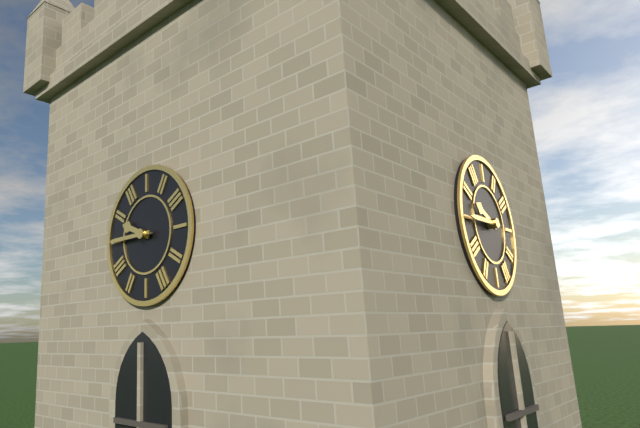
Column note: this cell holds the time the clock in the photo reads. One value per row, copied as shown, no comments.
9:45
